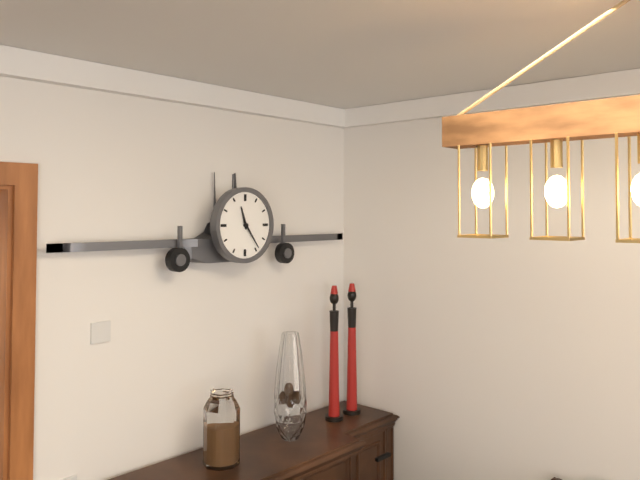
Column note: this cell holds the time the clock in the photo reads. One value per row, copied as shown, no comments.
11:24
